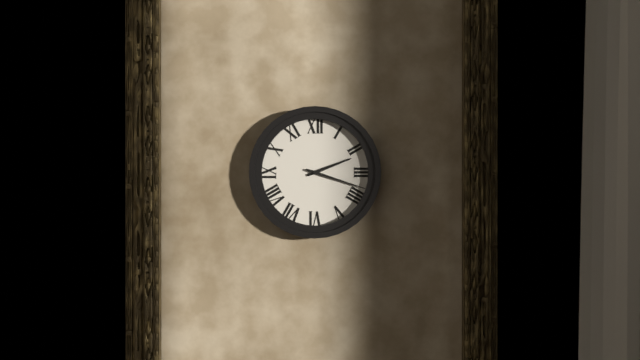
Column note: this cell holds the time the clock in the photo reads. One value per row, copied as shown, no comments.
2:18
